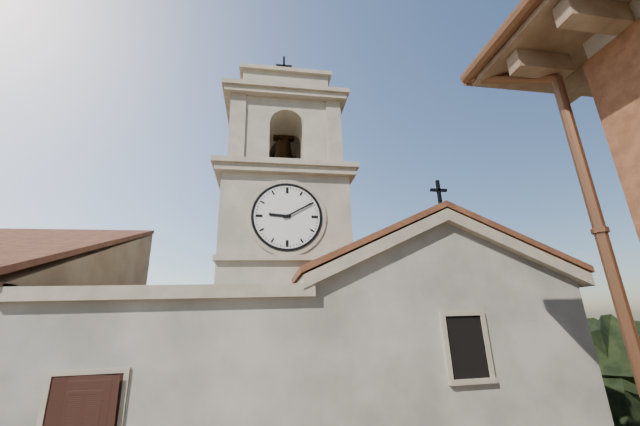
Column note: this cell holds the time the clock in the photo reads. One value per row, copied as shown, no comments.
9:10
